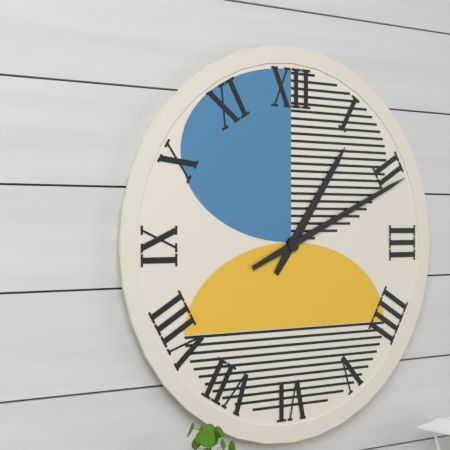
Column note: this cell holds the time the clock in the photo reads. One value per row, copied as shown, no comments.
1:11
